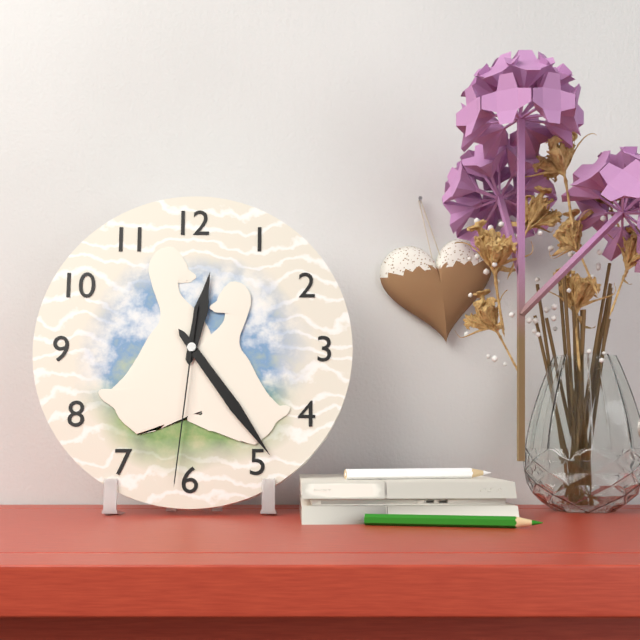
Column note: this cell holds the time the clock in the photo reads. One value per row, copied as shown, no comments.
12:24:31
